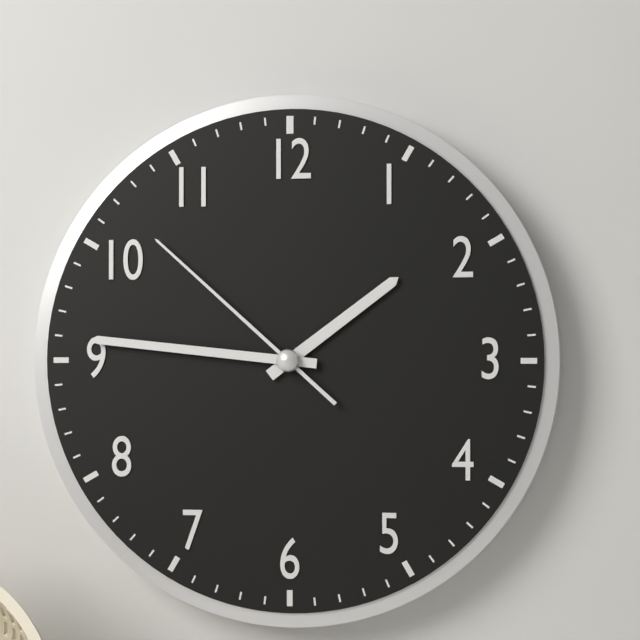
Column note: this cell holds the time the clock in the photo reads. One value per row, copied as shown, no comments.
1:46:52
